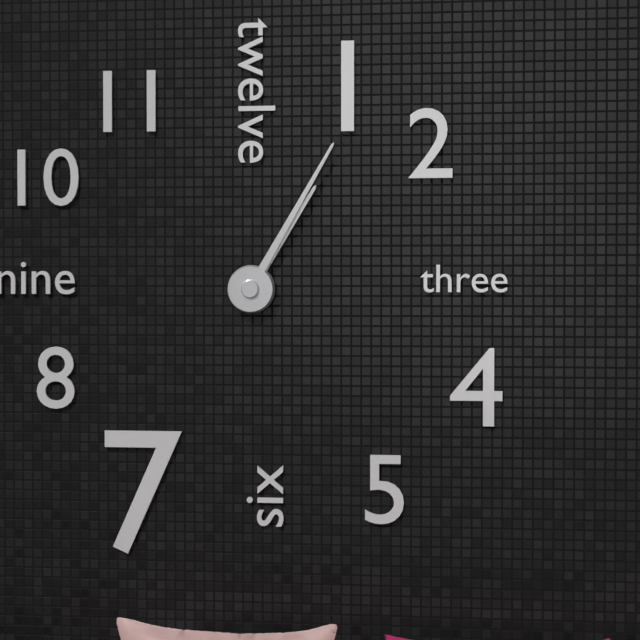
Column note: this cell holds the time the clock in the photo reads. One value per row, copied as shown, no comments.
1:05
